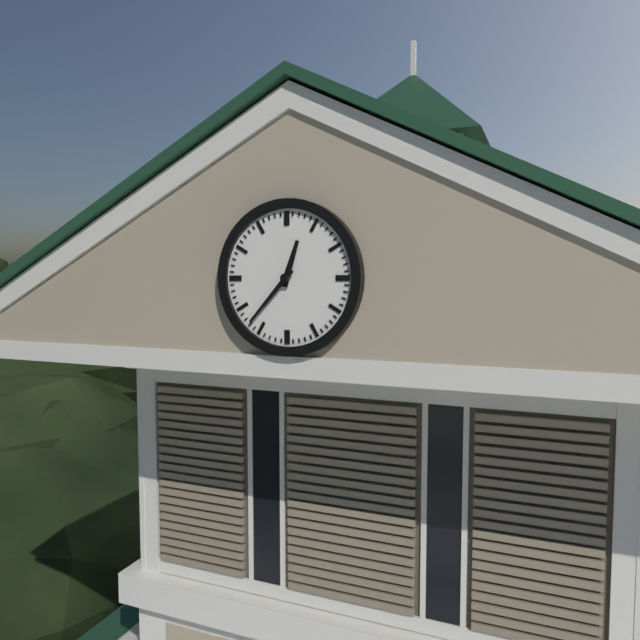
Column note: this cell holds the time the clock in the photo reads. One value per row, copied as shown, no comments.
12:37
